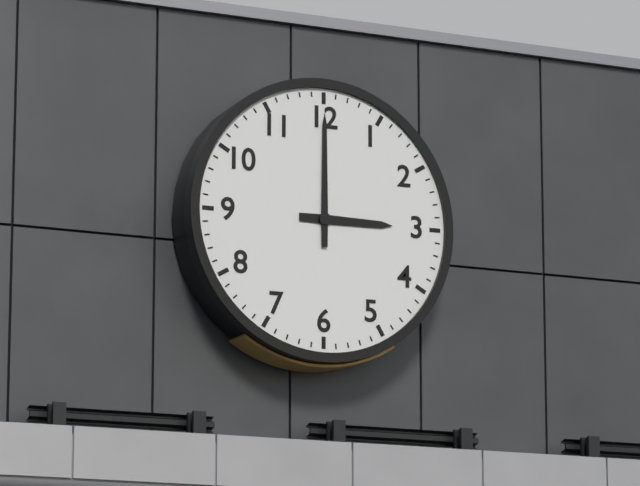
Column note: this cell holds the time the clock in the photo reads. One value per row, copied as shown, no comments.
3:00
